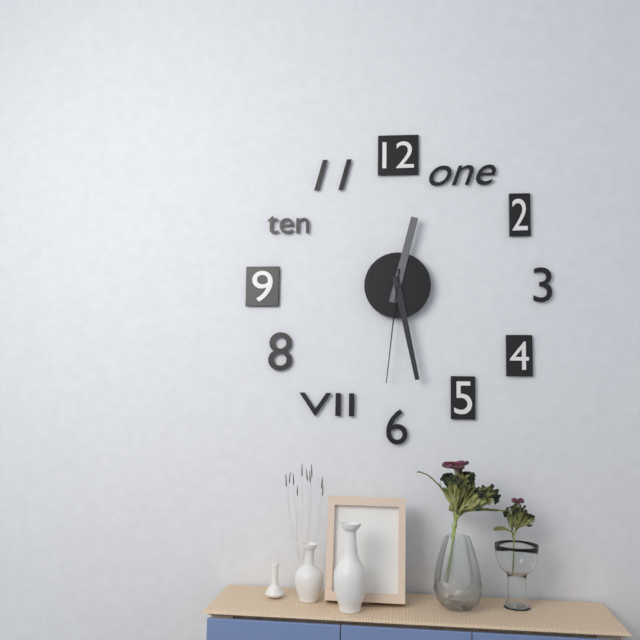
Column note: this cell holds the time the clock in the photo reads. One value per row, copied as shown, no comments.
12:28:31
